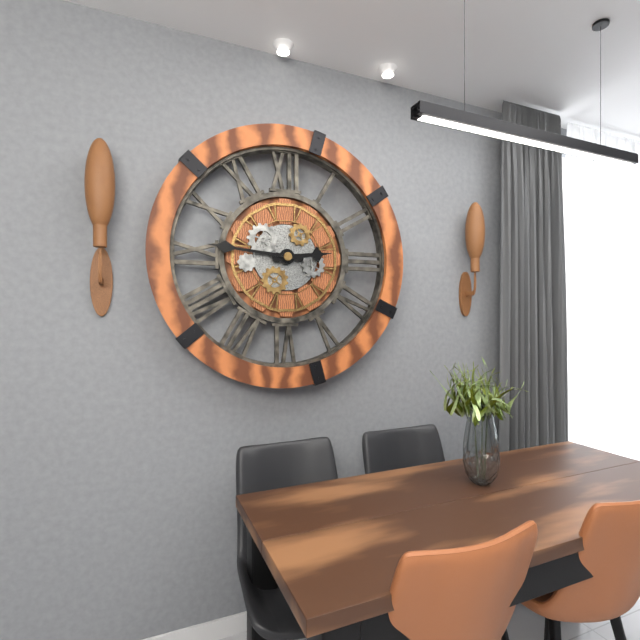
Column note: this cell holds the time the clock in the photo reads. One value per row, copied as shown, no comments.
2:46
